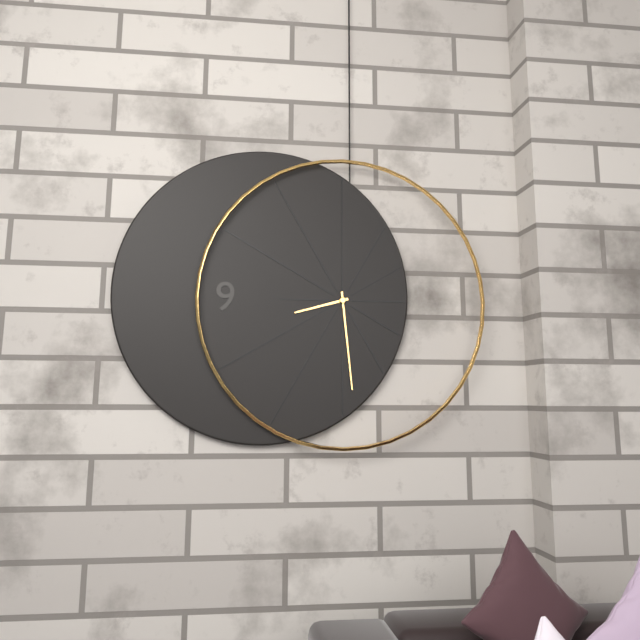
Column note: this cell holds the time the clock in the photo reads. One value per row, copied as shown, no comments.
8:29
